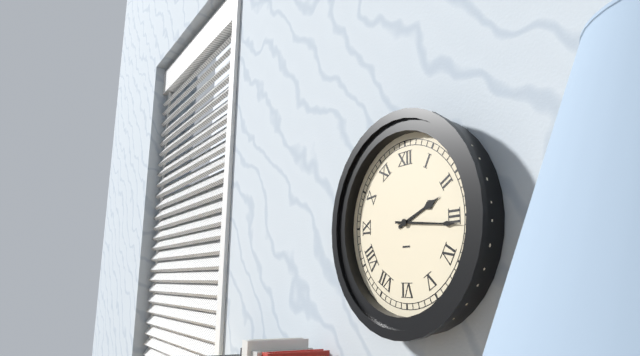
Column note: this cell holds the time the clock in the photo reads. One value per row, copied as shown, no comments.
2:16
